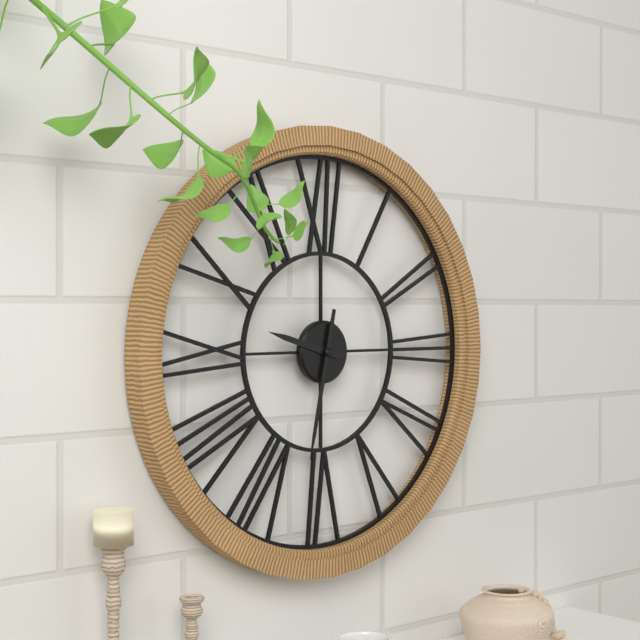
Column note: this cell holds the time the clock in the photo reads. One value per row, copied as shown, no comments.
9:32
